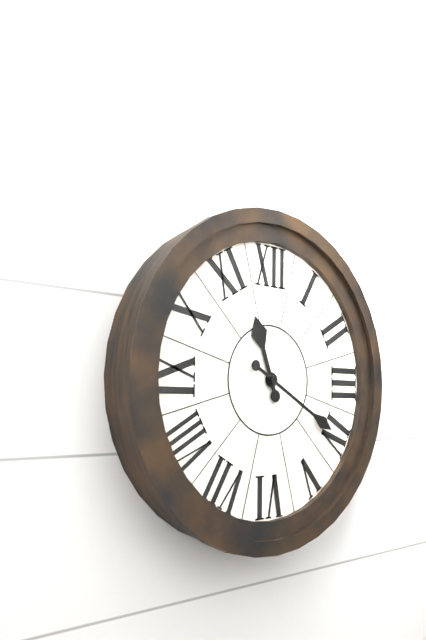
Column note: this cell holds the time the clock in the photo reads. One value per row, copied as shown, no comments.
11:20
